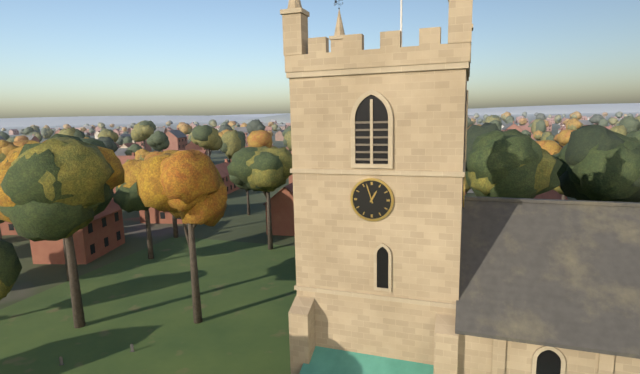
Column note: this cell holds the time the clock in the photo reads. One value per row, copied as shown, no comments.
12:57
